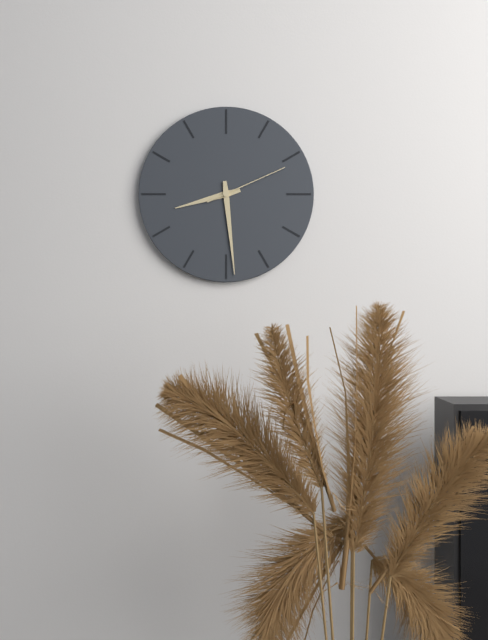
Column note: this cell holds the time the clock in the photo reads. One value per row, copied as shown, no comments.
8:29:11
